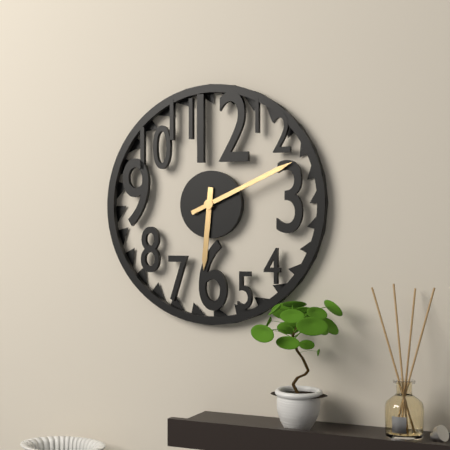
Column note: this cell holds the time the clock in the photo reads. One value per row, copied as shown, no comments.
6:11
